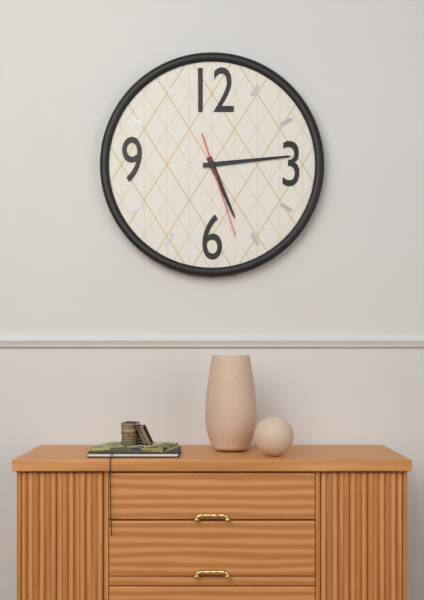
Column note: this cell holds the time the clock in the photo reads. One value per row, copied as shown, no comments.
5:14:27
